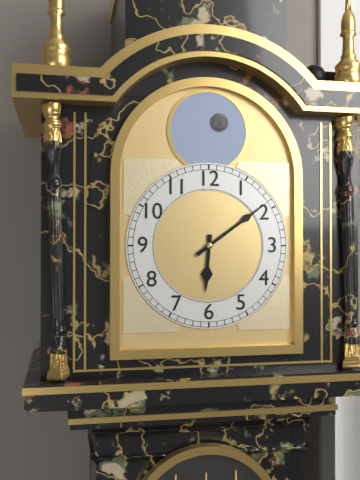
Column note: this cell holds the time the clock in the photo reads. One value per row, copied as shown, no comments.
6:09
